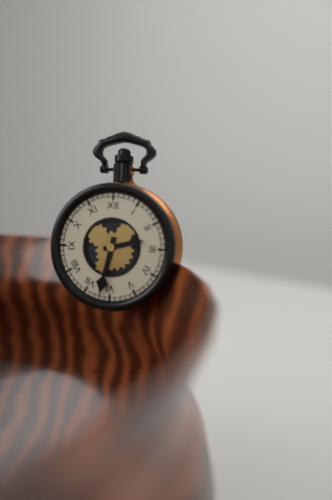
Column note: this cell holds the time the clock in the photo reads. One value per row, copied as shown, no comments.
2:32
